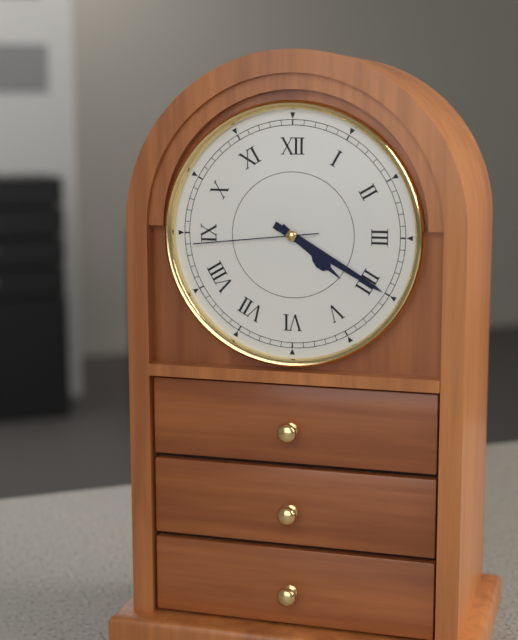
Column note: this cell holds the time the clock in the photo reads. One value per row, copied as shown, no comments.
4:20:44
